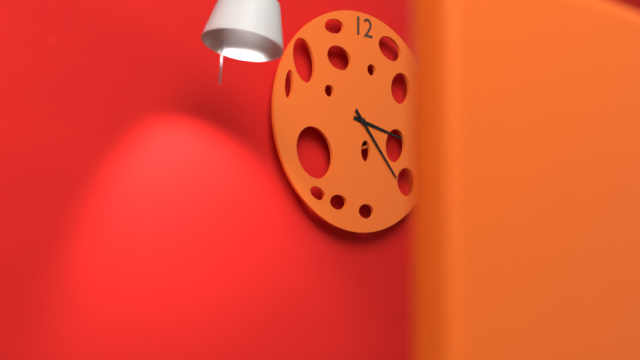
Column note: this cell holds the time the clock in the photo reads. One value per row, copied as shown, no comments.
3:23
